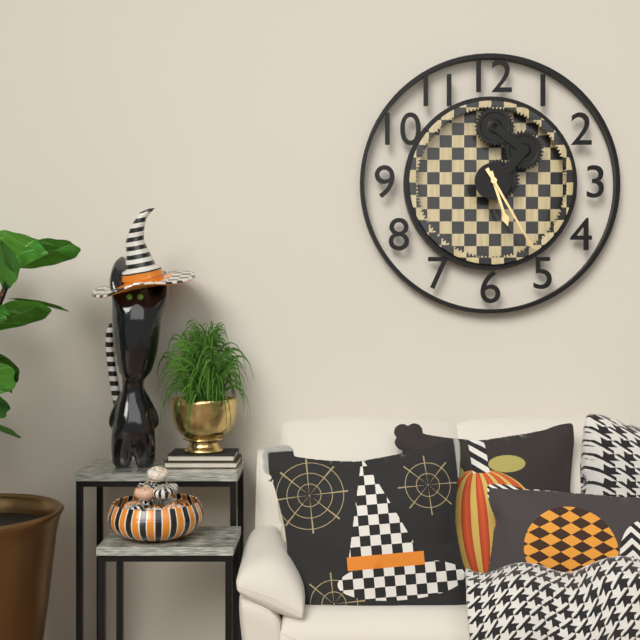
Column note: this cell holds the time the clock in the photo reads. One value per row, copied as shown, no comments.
5:25
